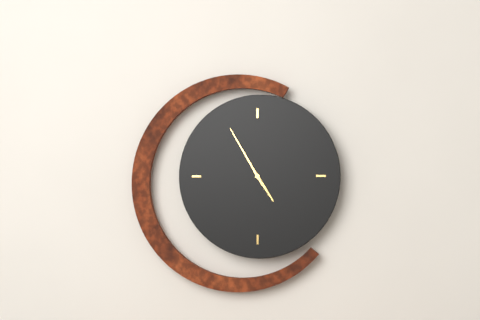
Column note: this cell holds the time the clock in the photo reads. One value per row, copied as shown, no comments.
4:55
